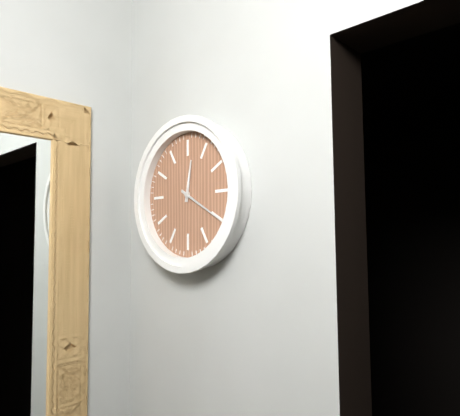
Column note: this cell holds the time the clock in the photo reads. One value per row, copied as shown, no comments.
12:20
